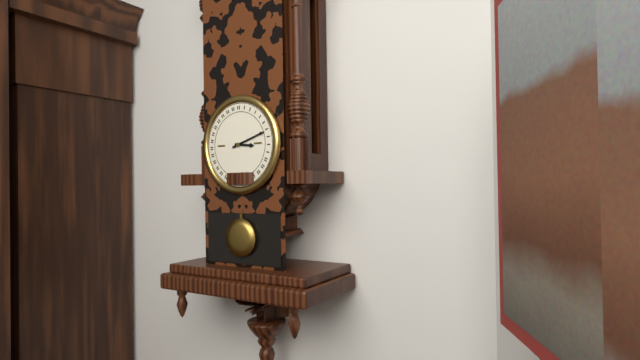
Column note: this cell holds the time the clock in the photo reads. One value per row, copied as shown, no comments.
3:12
